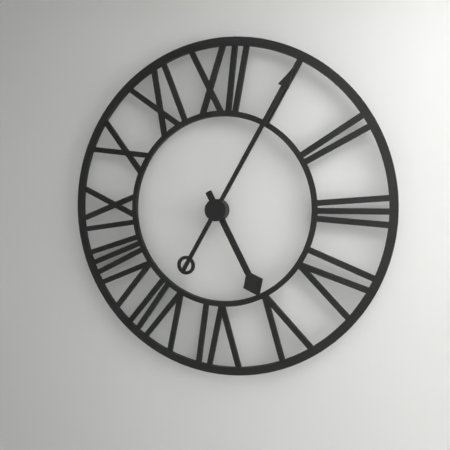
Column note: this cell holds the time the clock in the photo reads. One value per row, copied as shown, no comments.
5:05
